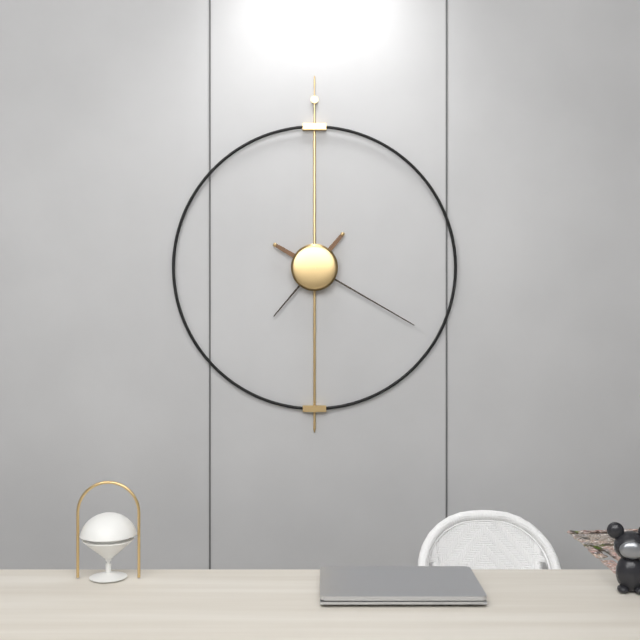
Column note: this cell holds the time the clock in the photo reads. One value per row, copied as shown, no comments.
7:20
